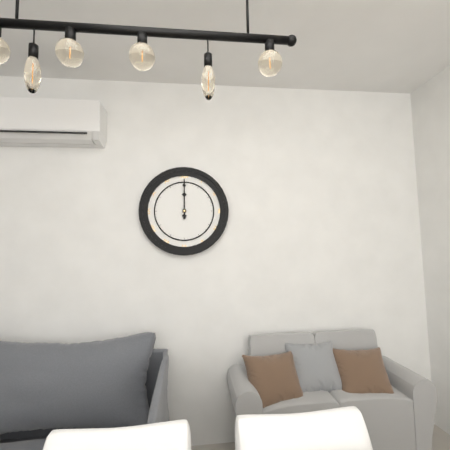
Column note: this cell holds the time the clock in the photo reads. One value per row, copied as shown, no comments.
12:00
